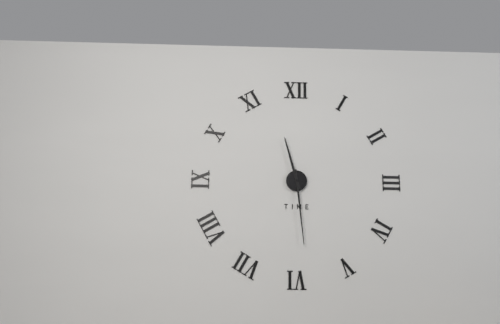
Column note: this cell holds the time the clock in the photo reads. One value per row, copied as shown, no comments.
11:29
